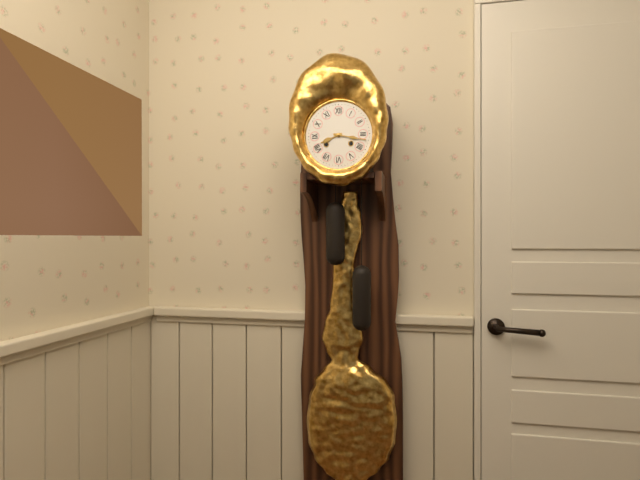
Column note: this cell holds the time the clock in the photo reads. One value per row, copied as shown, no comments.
8:17
